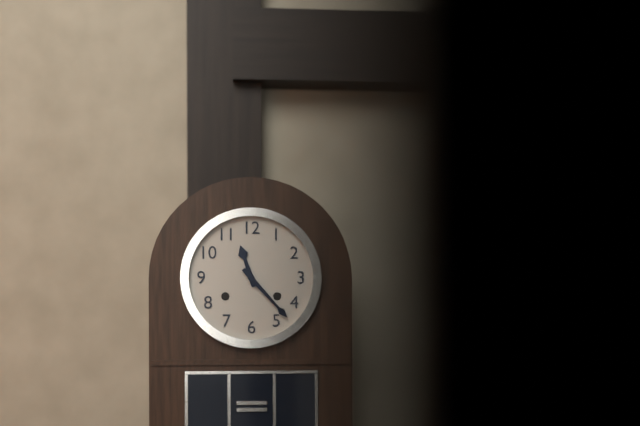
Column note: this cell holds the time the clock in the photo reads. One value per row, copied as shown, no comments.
11:23
